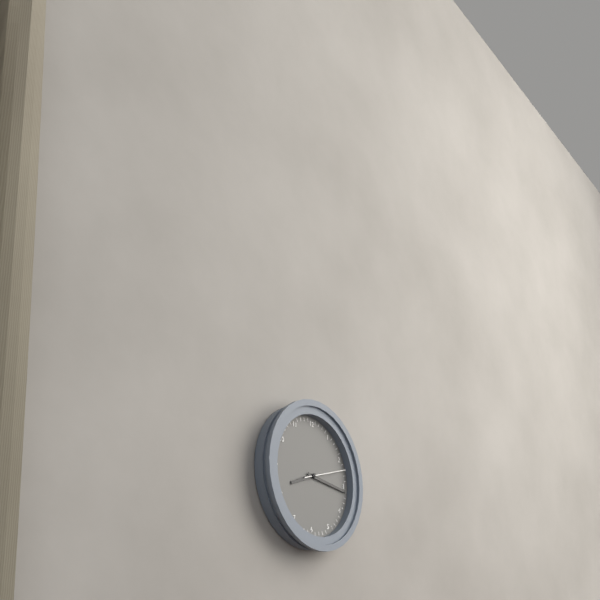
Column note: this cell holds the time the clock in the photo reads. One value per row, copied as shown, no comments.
8:16
